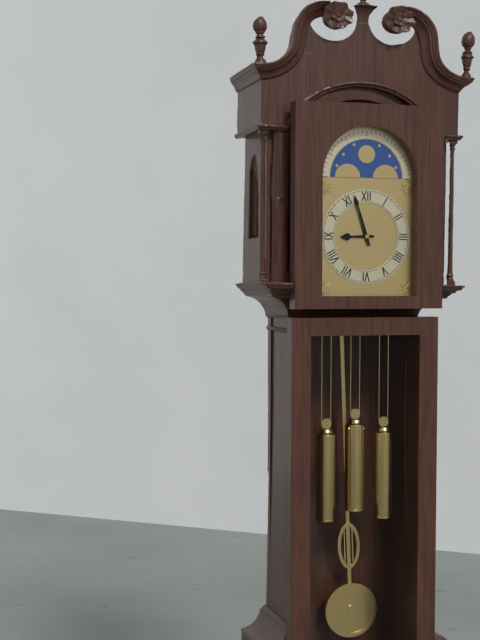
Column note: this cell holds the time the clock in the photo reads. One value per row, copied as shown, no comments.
8:57
